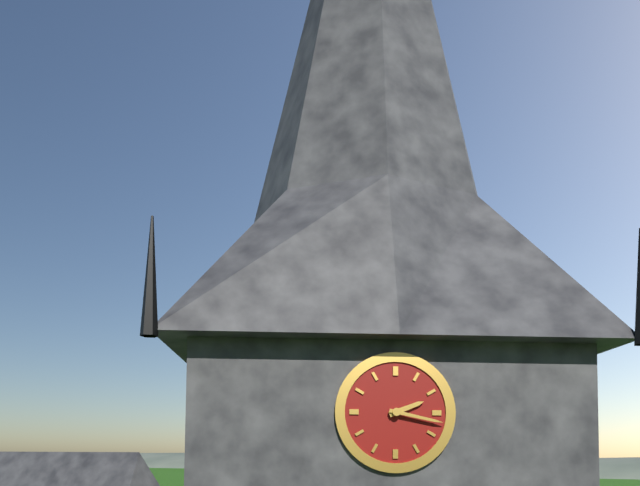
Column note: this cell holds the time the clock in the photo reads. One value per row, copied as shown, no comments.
2:17
